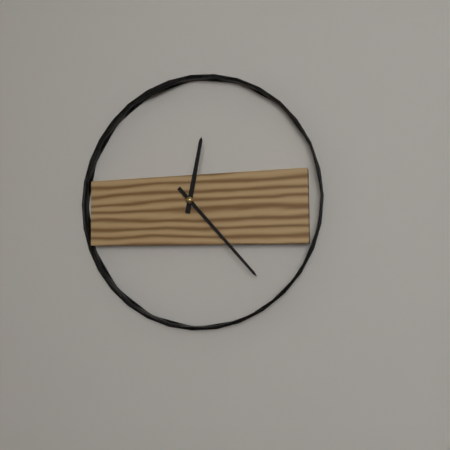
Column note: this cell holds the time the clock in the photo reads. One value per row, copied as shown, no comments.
12:23
